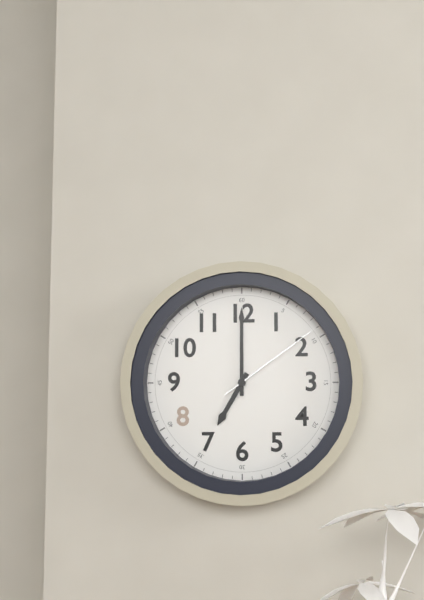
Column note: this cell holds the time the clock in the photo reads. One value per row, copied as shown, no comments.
7:00:09
